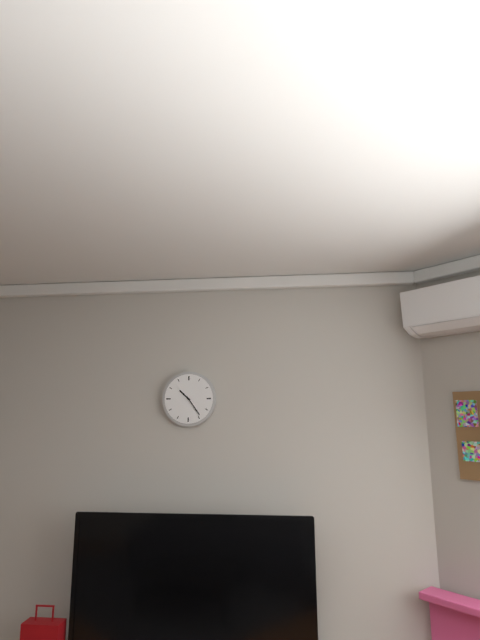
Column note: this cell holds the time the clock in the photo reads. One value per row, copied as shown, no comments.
10:24
